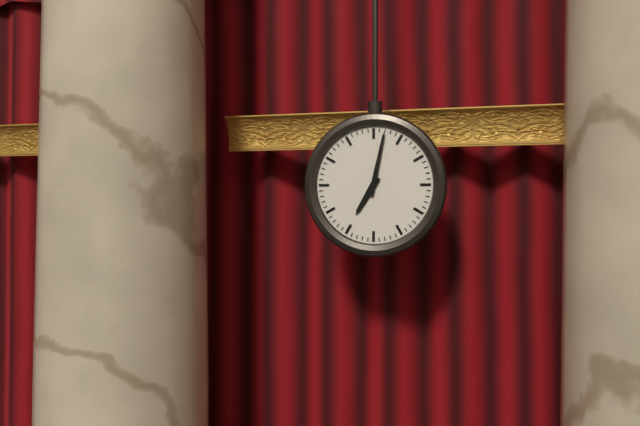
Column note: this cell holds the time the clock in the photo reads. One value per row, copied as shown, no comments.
7:02
